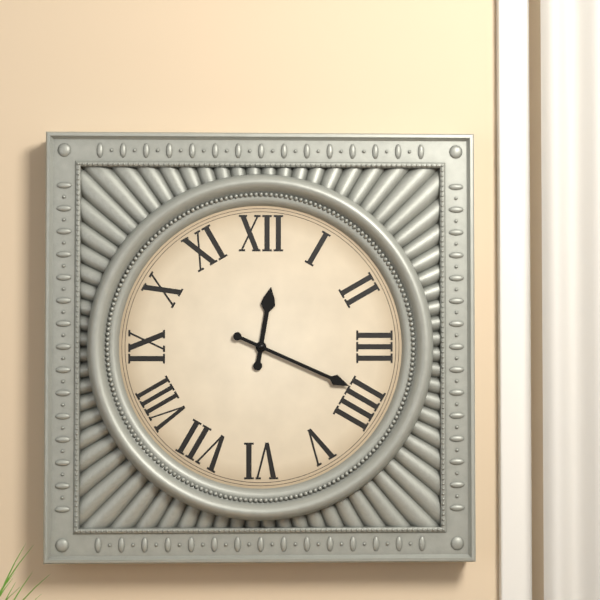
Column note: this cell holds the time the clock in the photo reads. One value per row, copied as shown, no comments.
12:19
